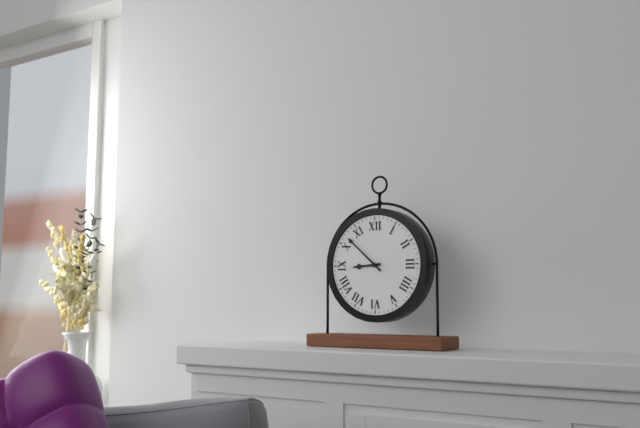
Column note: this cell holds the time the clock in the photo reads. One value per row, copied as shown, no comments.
8:52
